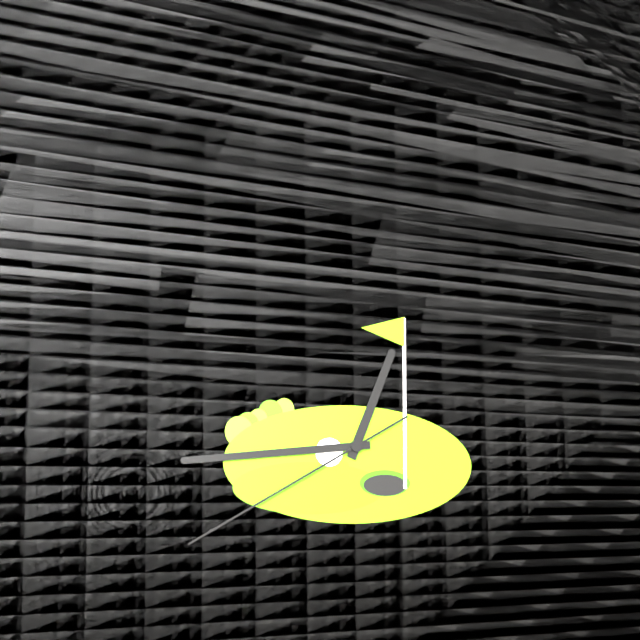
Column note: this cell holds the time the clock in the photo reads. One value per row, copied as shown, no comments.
12:44:40
